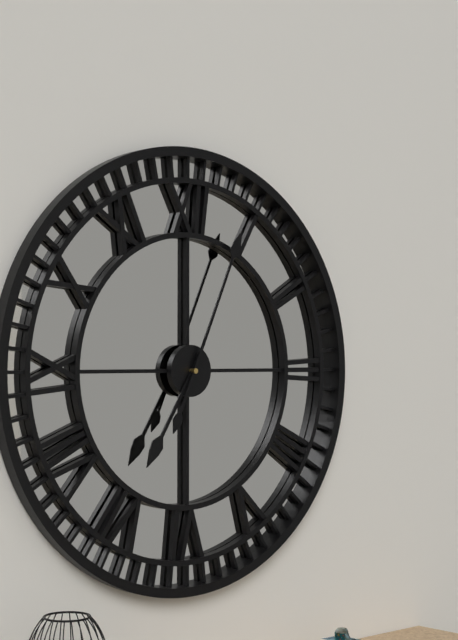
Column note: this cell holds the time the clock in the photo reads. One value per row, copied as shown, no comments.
7:04
